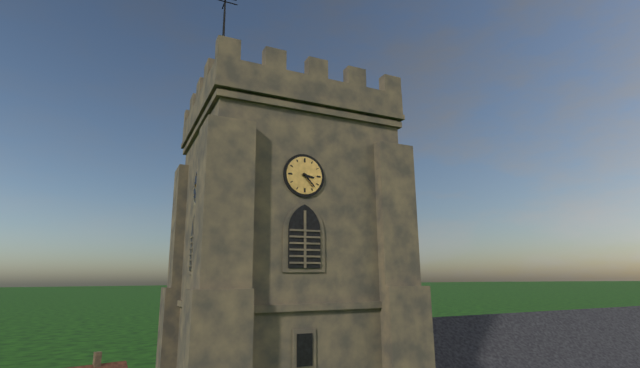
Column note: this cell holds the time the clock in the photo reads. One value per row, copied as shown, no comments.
3:23
